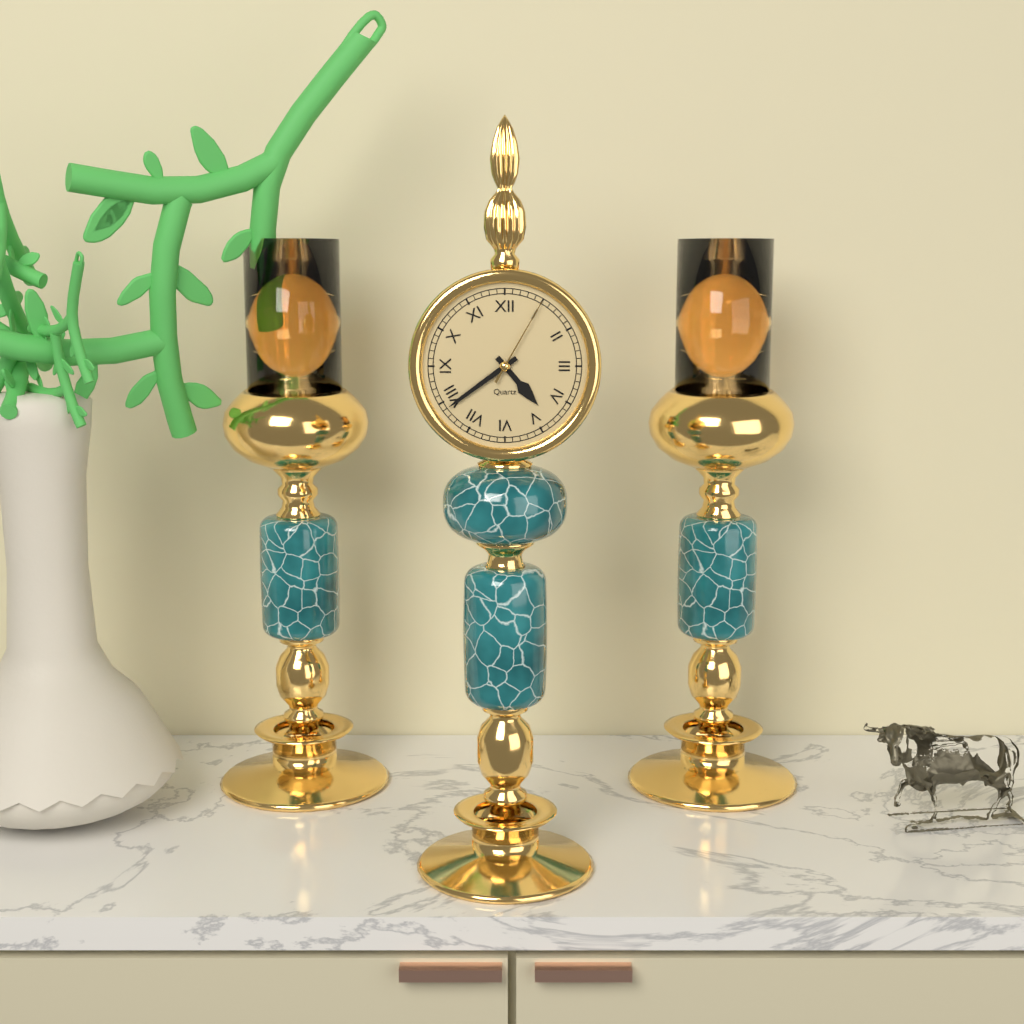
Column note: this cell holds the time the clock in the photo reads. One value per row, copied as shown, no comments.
4:39:05
